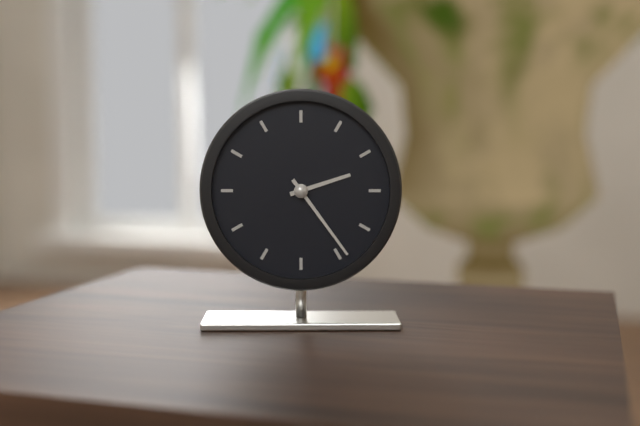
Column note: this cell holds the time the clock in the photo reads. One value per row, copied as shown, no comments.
2:24
